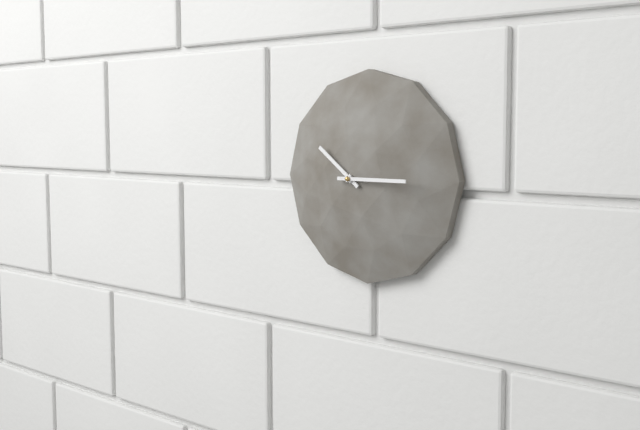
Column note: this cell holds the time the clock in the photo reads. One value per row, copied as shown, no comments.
10:15
